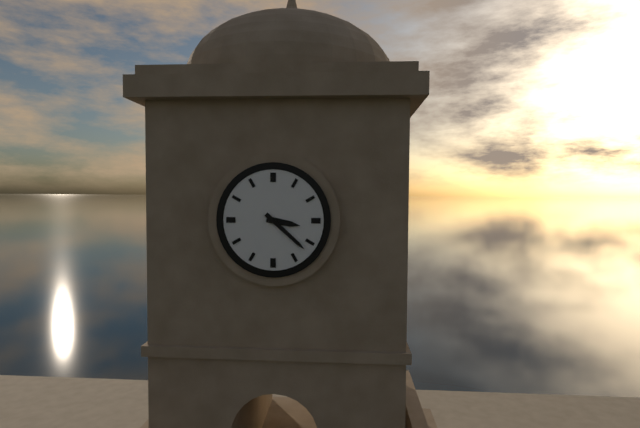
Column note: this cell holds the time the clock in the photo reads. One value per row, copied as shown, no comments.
3:22
